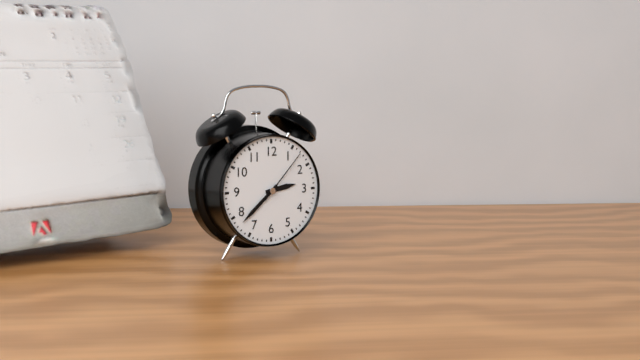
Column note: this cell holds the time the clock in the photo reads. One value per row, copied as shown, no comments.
2:38:07
